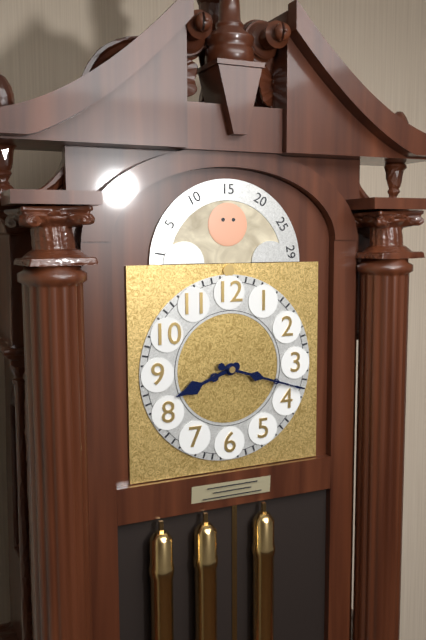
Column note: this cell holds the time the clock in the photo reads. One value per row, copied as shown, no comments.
8:18
